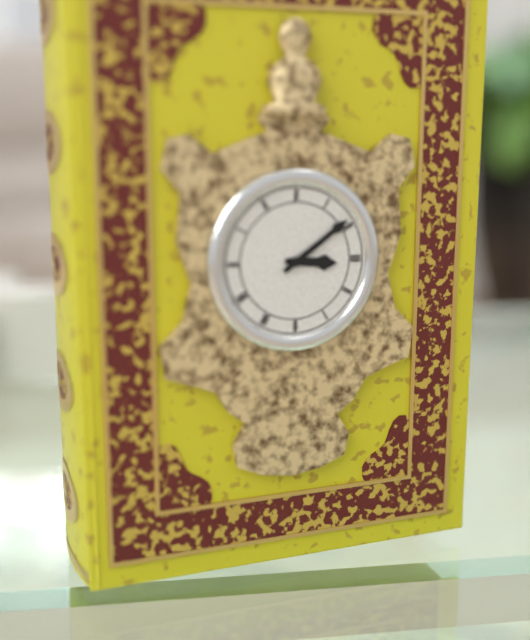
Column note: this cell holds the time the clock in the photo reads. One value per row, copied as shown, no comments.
3:09
